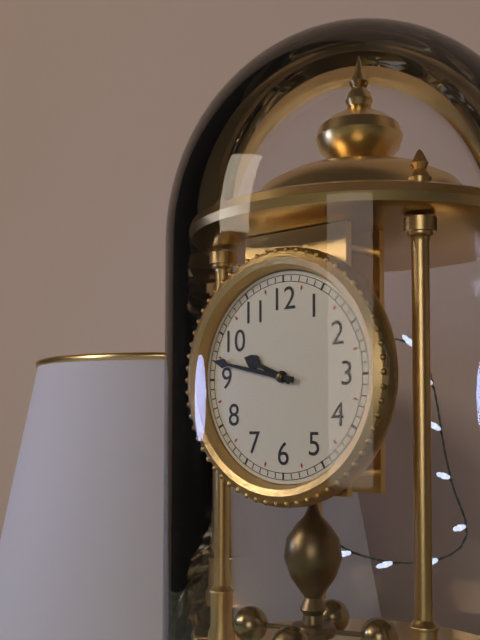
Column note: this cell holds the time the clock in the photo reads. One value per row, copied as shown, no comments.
9:47
